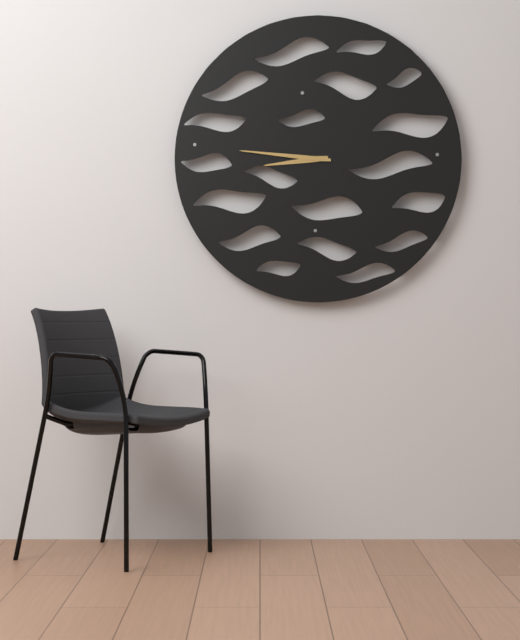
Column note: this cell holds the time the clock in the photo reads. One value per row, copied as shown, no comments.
8:46
